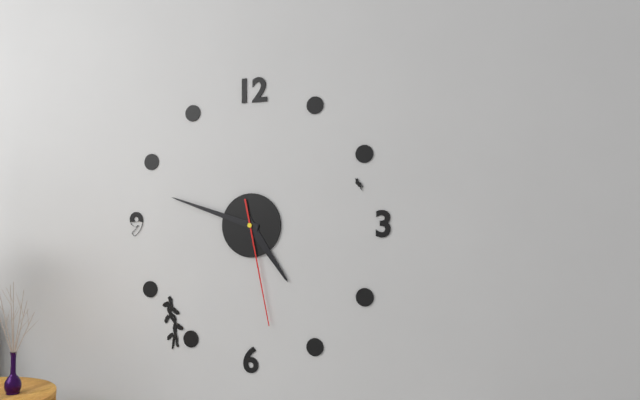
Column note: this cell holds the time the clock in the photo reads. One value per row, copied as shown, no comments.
4:48:28
